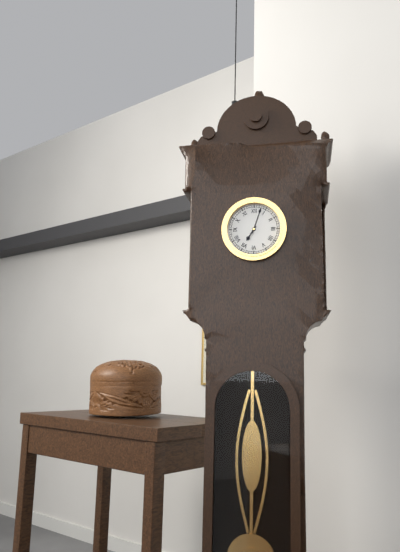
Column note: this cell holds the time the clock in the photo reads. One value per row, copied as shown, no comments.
7:03
